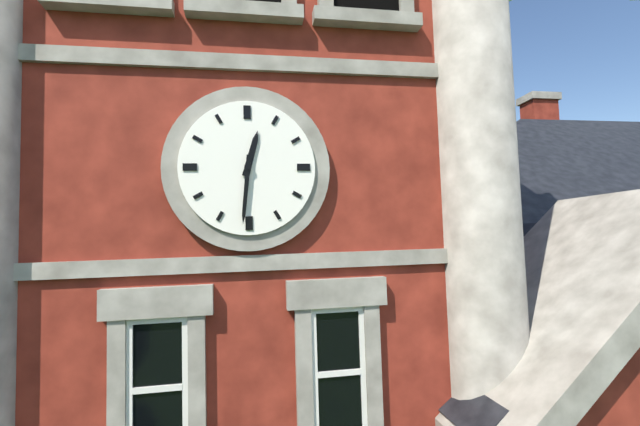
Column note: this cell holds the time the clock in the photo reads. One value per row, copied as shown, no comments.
12:31
